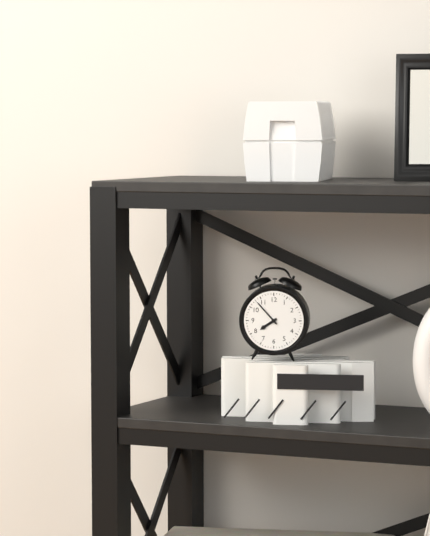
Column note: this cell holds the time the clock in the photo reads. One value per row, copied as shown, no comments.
7:53
